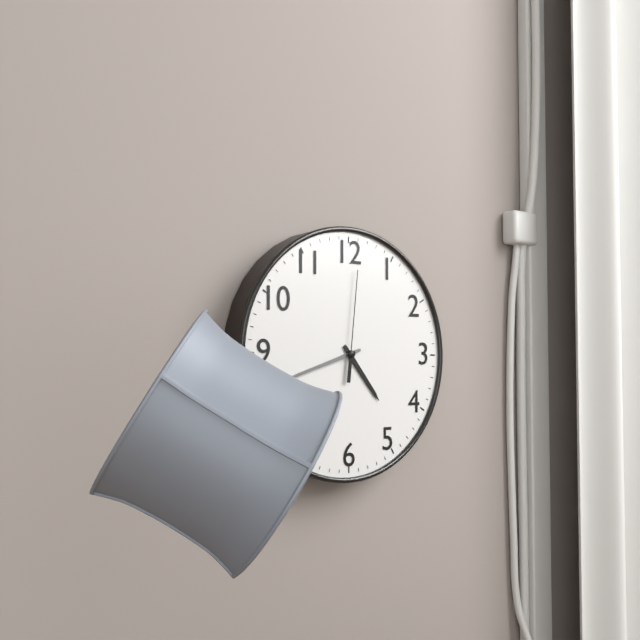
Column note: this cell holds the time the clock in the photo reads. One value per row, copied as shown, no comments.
4:42:01
